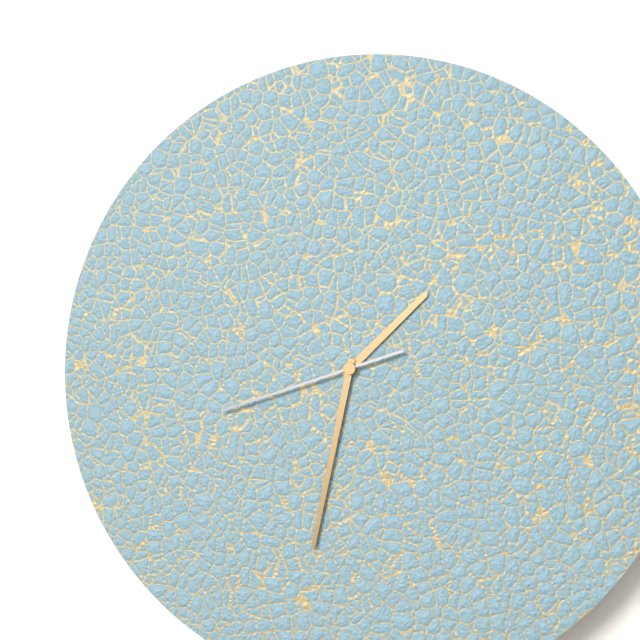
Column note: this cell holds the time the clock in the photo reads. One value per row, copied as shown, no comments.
1:32:42
